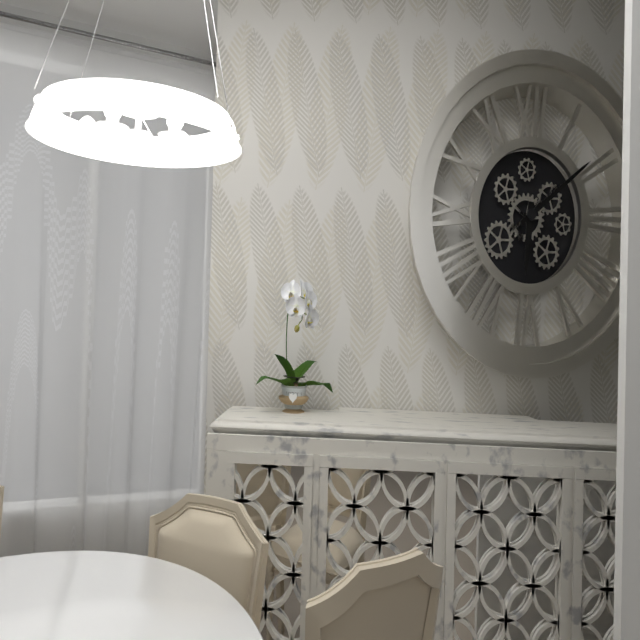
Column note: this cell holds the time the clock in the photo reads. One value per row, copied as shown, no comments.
6:09
